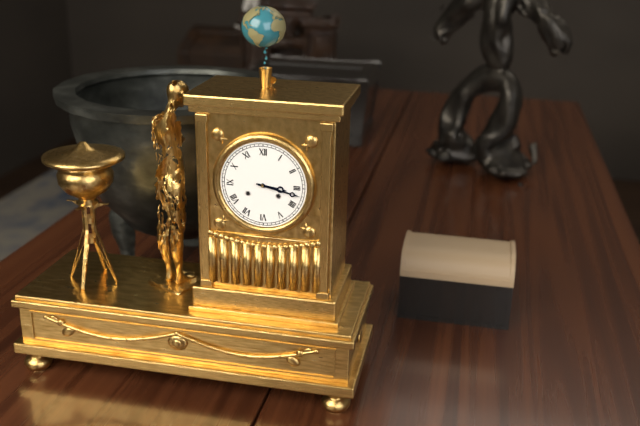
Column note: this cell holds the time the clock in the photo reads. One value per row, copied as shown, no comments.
3:17
